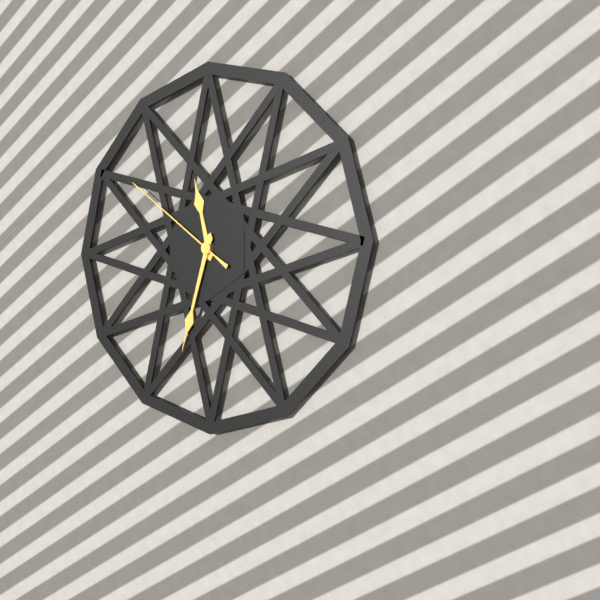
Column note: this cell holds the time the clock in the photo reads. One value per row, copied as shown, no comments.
11:33:51
